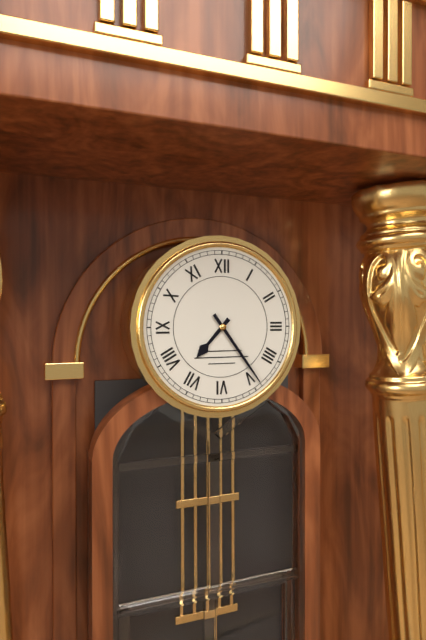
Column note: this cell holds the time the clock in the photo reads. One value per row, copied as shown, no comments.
7:24
